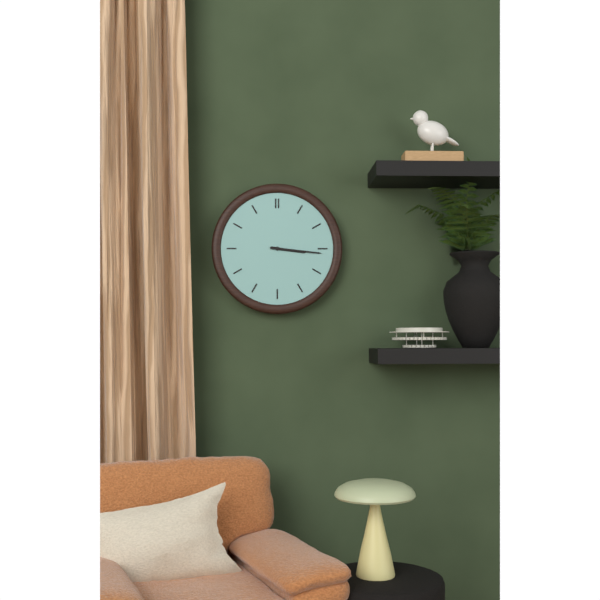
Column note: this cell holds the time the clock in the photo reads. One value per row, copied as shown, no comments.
3:16
